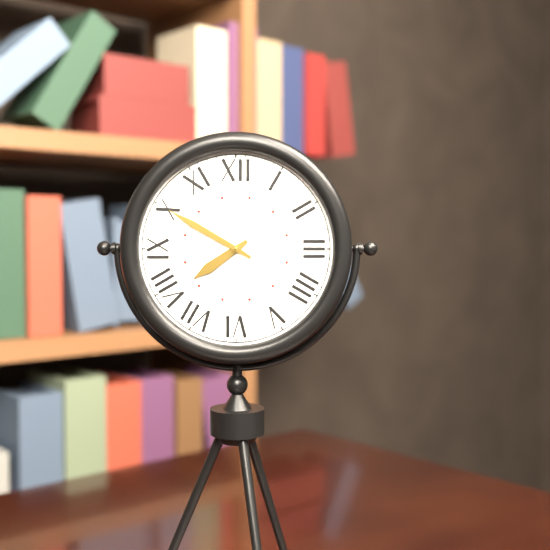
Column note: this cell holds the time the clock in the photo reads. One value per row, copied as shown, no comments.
7:50
